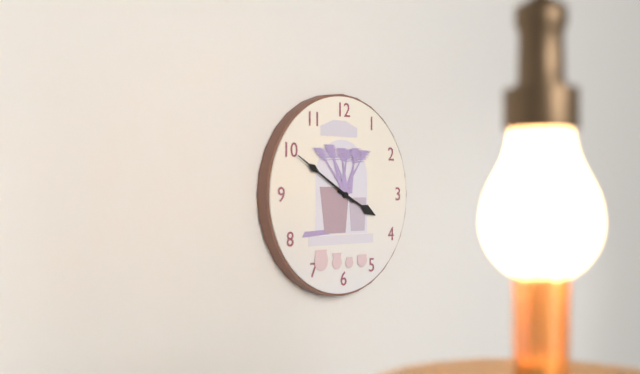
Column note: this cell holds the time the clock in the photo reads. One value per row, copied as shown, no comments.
3:50
